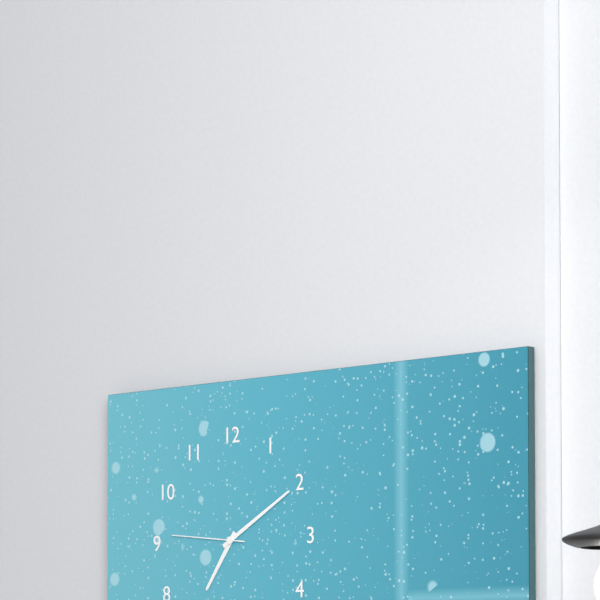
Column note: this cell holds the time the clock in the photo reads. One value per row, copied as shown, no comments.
7:10:46
